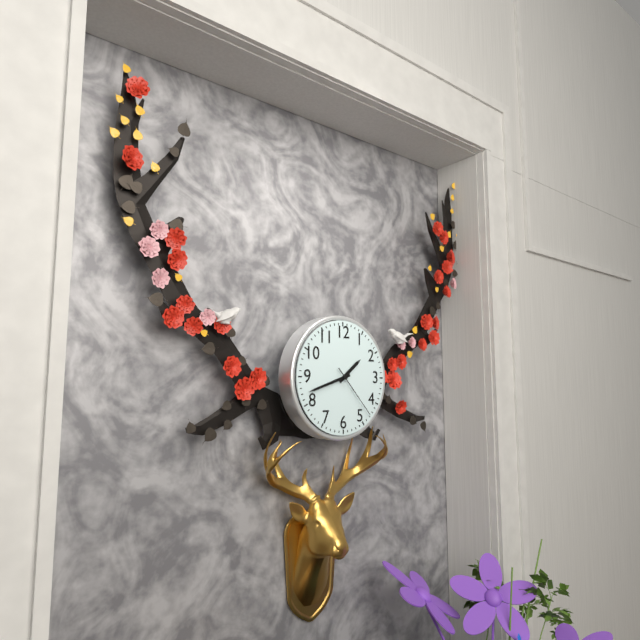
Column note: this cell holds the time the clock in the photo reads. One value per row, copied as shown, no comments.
1:42:23
